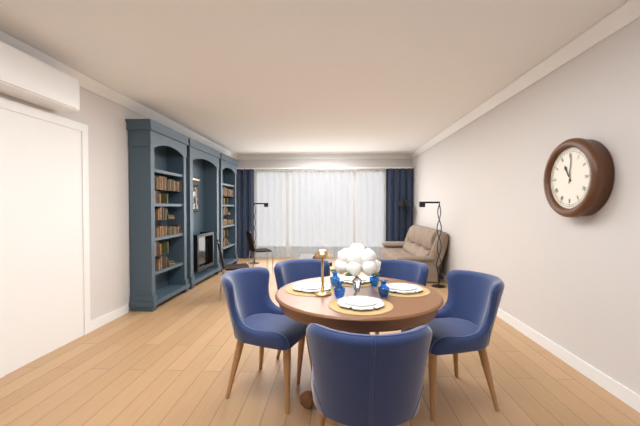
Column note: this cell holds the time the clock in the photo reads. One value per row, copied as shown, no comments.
11:01
